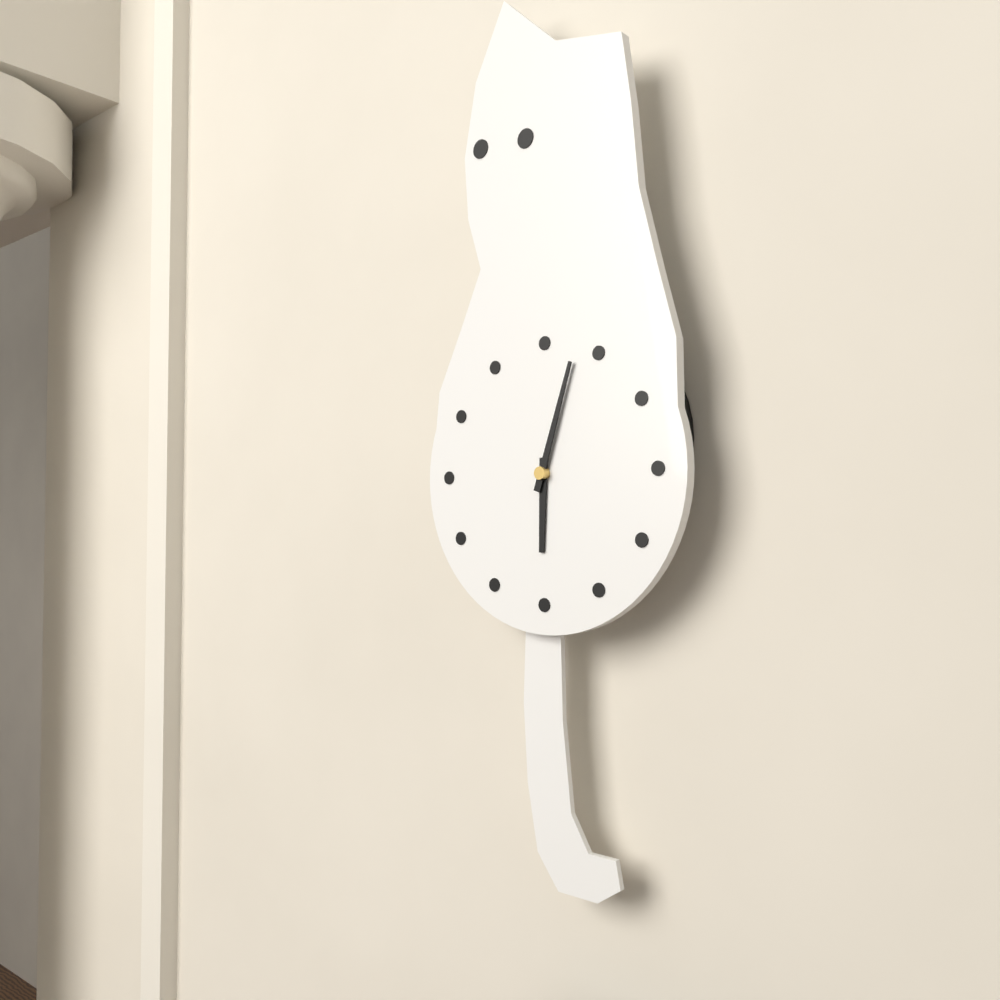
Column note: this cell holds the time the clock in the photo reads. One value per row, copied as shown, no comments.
6:03
